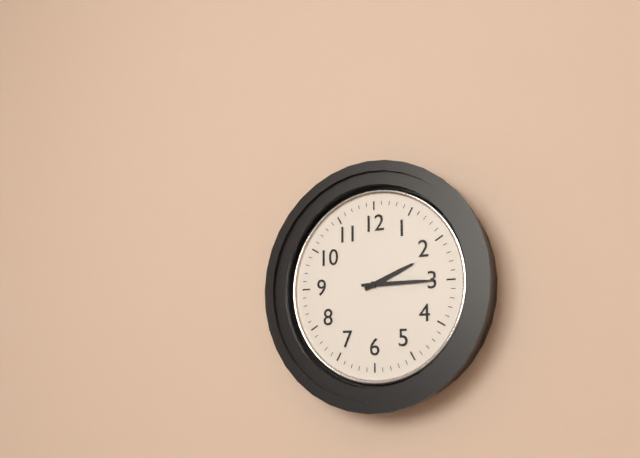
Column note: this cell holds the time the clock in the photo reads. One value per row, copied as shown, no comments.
2:15
